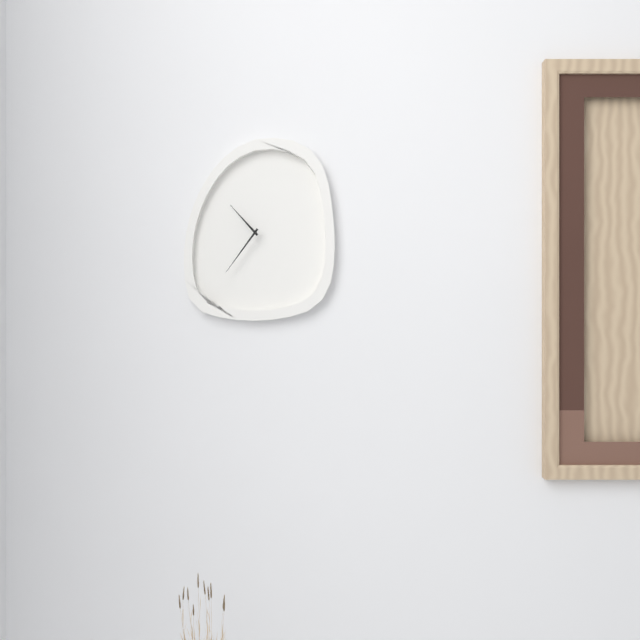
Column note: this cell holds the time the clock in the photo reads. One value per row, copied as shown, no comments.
10:36
